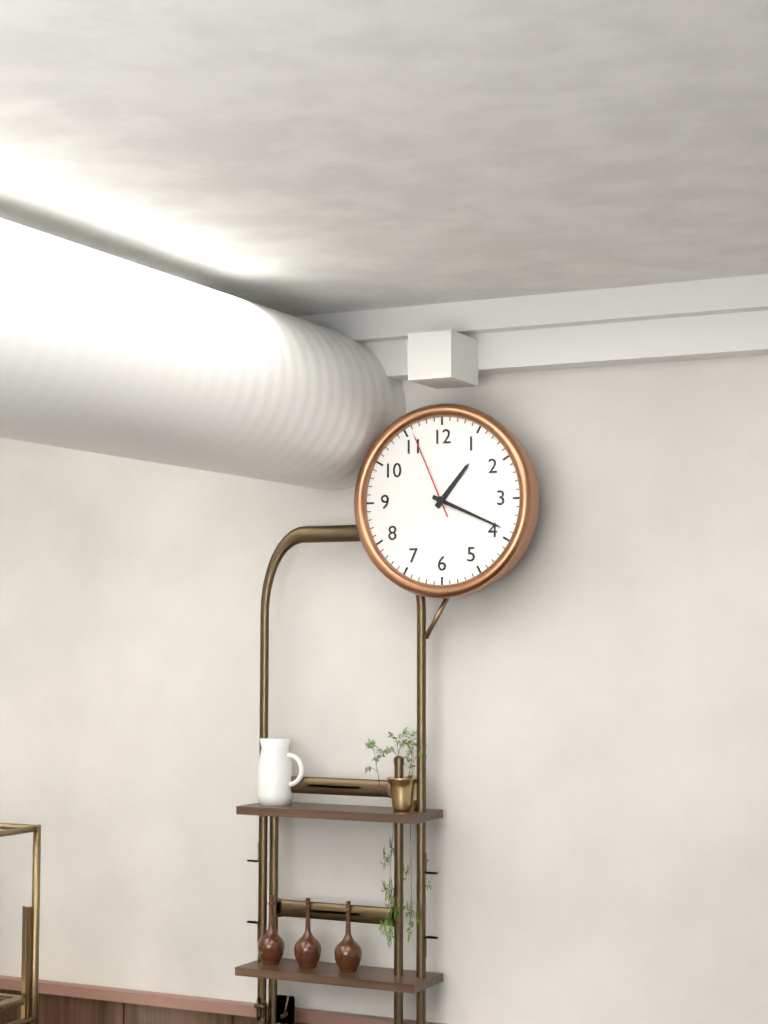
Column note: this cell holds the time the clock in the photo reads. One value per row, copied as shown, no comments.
1:19:56
